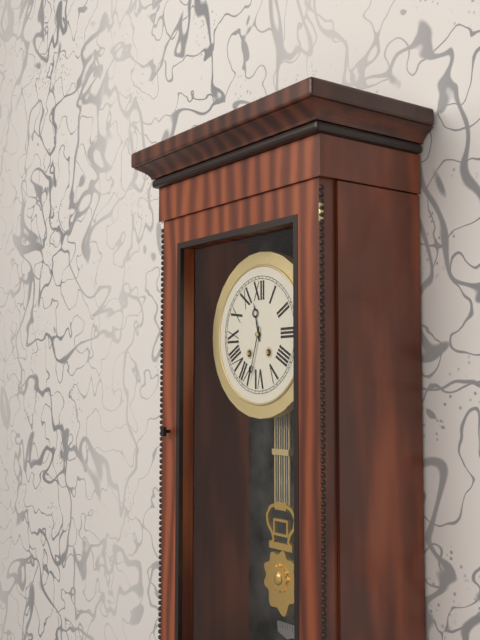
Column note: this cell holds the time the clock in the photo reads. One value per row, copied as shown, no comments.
11:33
